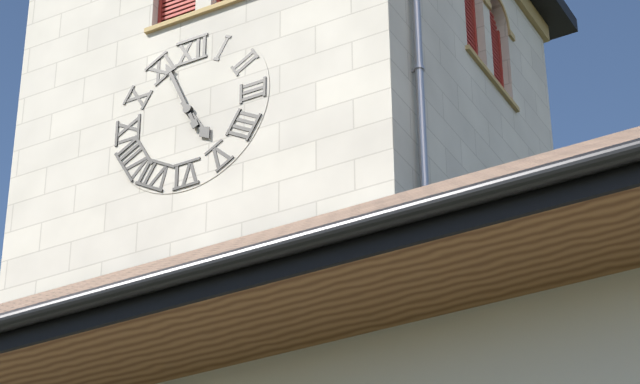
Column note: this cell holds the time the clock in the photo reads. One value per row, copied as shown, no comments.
4:56
